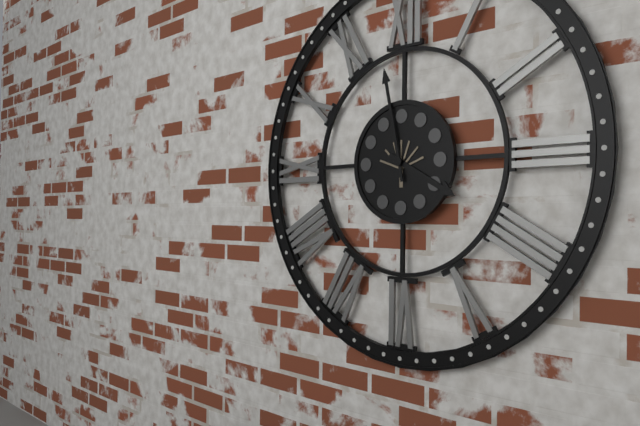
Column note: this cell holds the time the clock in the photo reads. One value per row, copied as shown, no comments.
3:58
